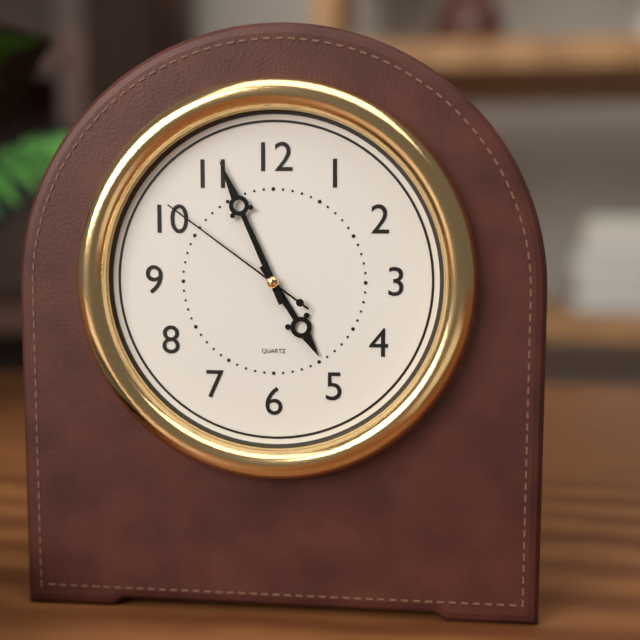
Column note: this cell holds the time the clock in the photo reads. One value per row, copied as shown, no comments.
4:56:51
